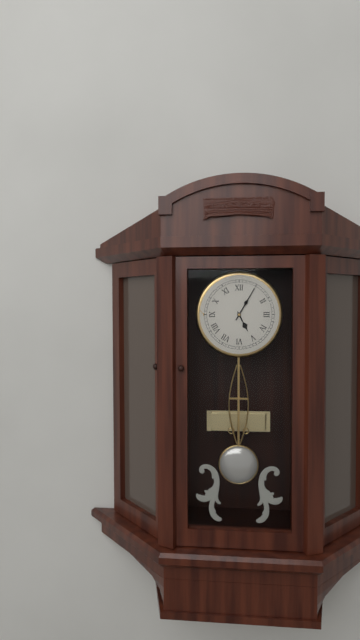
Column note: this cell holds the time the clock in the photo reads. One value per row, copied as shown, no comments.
5:05
